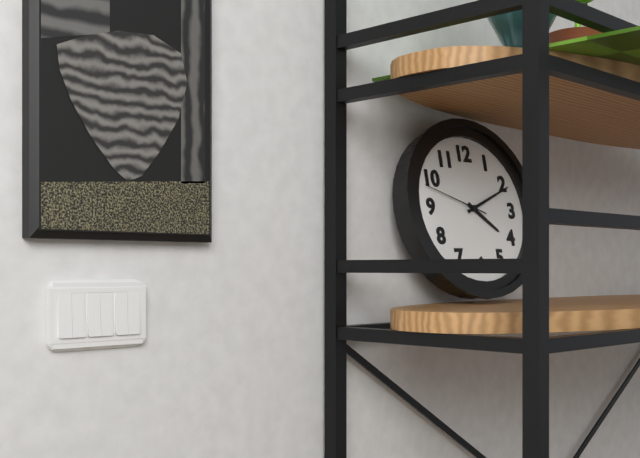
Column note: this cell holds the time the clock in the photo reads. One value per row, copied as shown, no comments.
4:11:48
